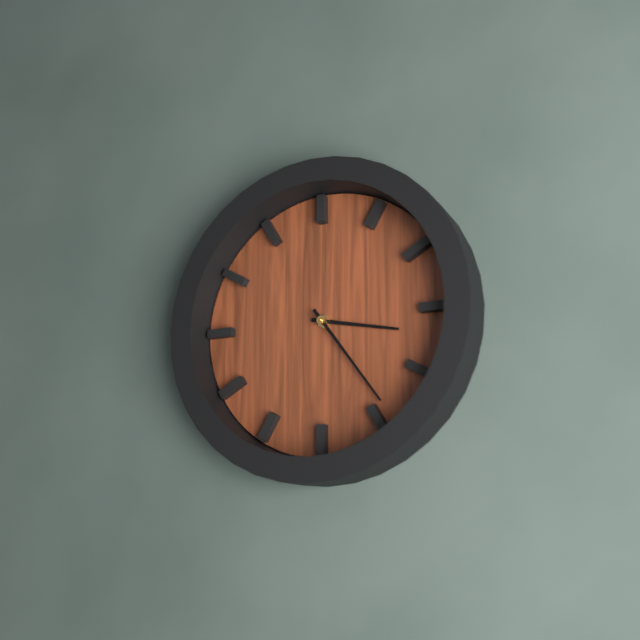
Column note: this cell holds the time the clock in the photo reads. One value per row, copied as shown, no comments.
3:24
